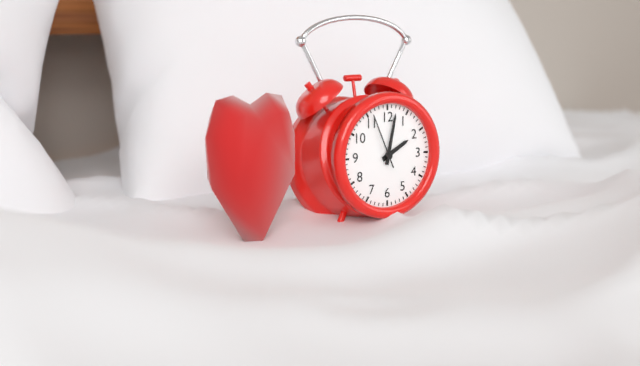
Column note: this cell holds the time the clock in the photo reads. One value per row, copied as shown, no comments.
2:02:56
